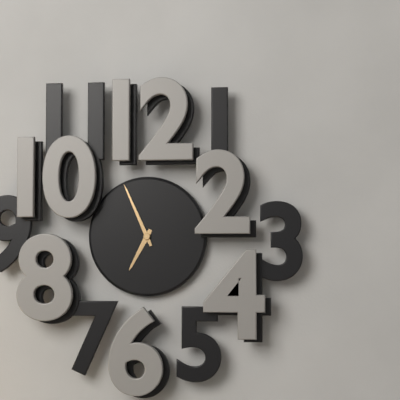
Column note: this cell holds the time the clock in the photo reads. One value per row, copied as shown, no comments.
6:56
